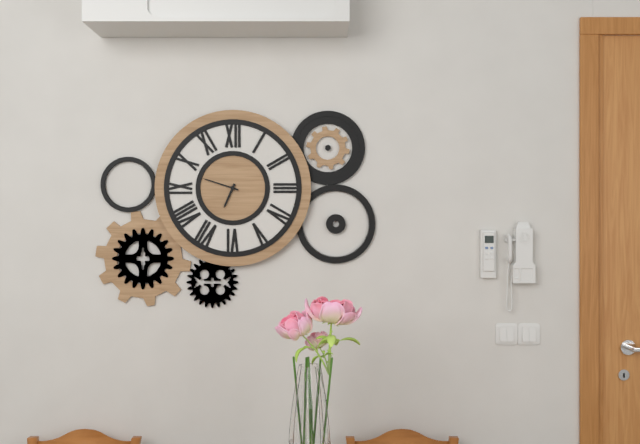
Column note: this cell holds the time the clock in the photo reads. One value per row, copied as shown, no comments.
6:48
